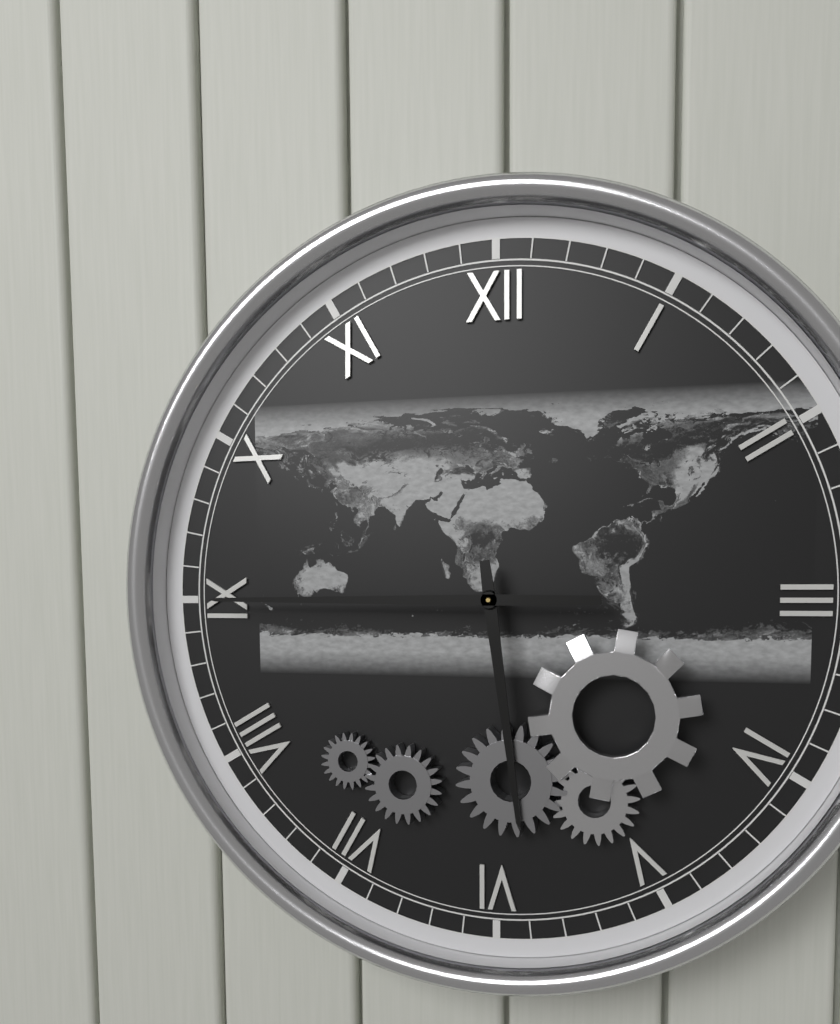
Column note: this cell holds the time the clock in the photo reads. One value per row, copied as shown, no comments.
5:45
